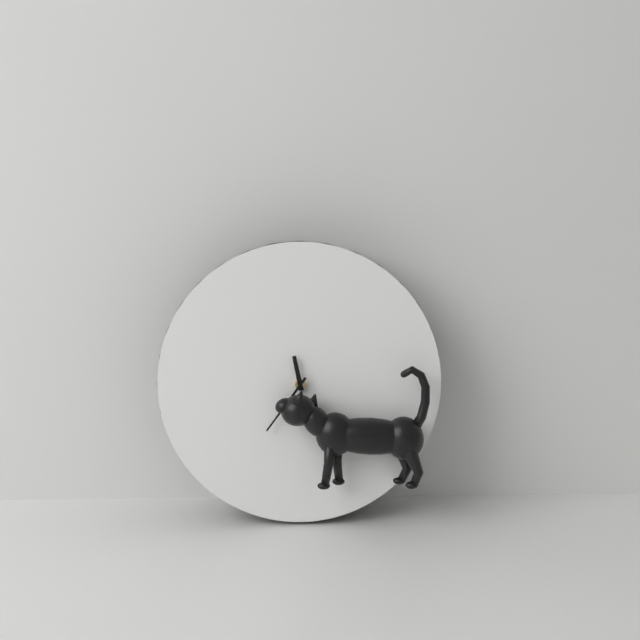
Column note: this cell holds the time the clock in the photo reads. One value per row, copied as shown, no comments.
11:36
